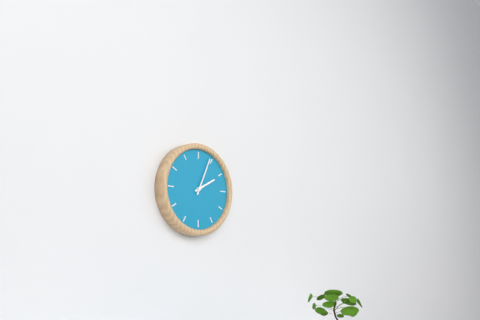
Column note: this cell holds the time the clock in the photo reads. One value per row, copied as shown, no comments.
2:04
